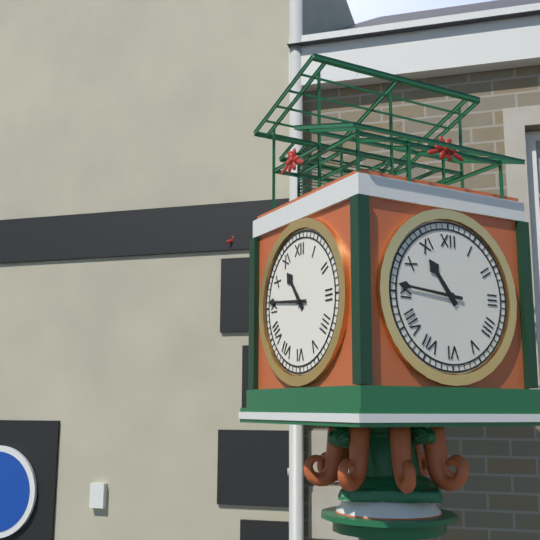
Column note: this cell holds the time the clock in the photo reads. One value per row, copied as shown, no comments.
10:46
